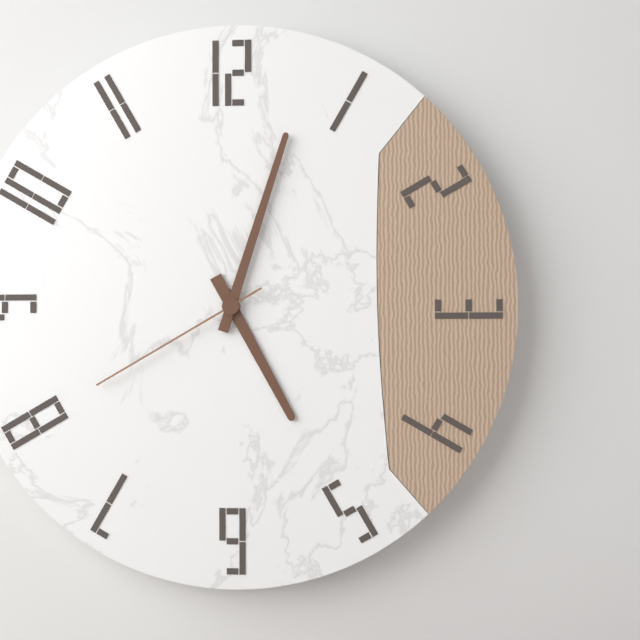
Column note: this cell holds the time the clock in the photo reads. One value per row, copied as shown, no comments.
5:03:40
